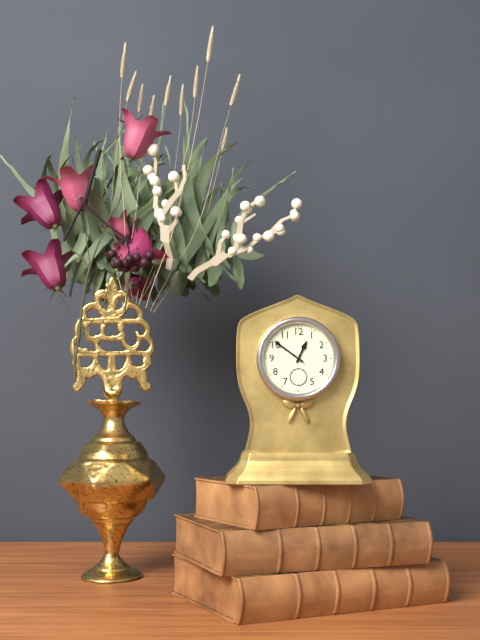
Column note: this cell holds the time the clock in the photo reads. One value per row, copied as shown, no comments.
12:51
